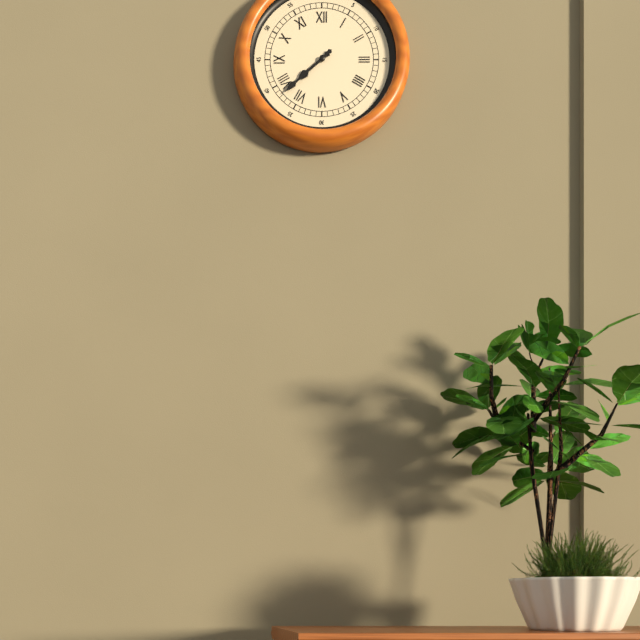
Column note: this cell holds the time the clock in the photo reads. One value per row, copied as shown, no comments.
7:38
